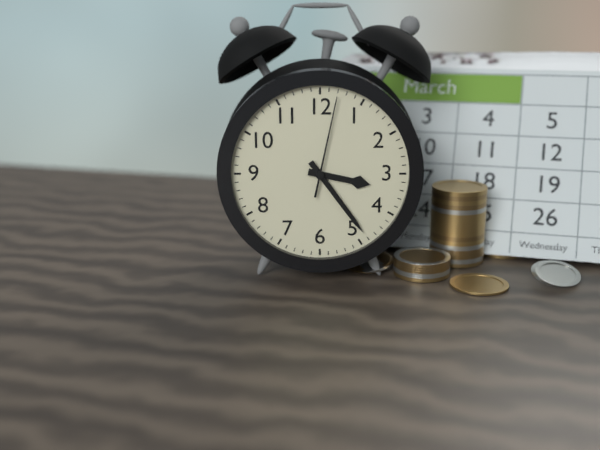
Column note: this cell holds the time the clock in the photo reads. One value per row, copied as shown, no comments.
3:24:02
